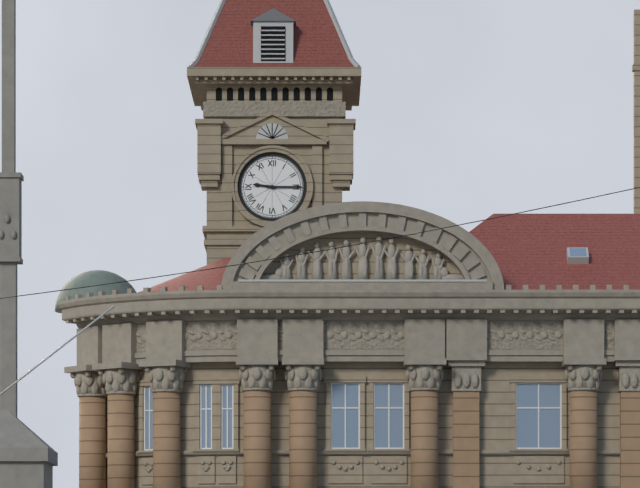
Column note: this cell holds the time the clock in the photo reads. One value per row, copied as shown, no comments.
9:15
